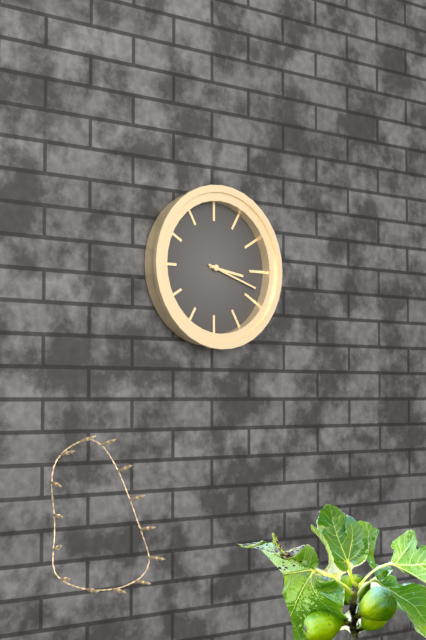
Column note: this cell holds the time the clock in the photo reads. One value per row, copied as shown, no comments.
3:18
